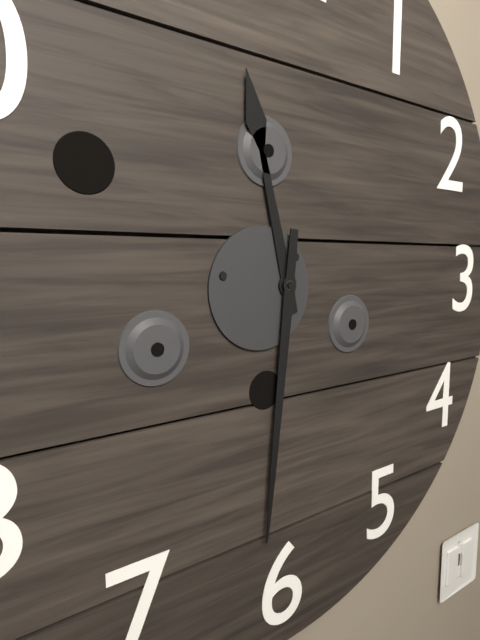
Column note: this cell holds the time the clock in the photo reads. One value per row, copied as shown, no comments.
11:31
